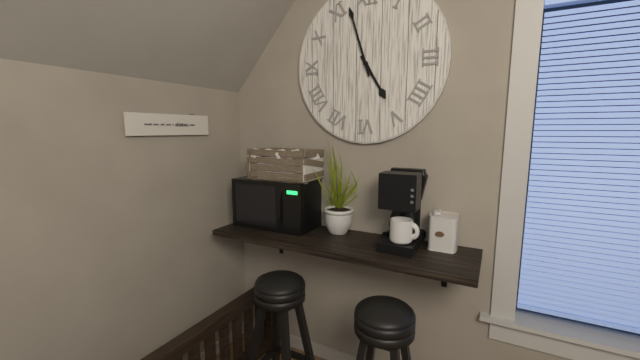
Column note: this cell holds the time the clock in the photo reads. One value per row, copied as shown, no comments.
4:57
